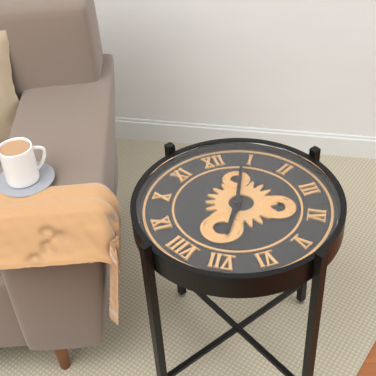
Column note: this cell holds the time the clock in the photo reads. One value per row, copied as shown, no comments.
7:04
